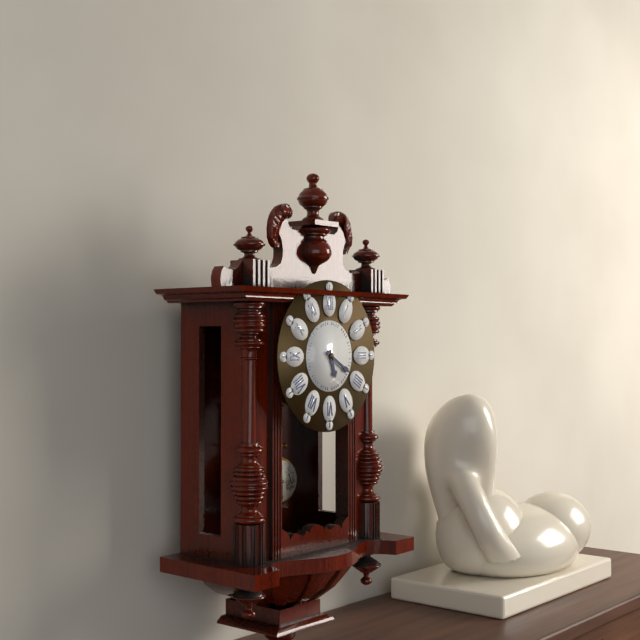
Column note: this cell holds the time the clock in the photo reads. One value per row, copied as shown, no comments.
5:20
